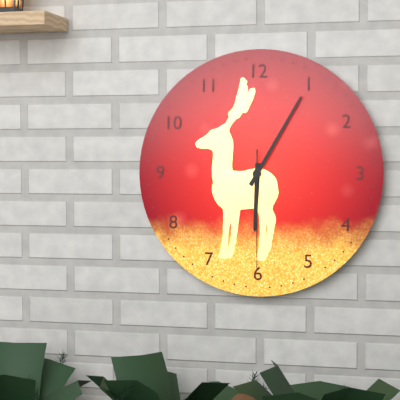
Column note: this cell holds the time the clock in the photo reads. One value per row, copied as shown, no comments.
6:05:30
